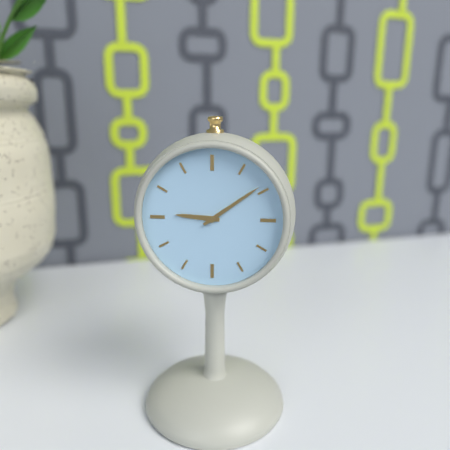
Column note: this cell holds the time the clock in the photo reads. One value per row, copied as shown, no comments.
9:09
